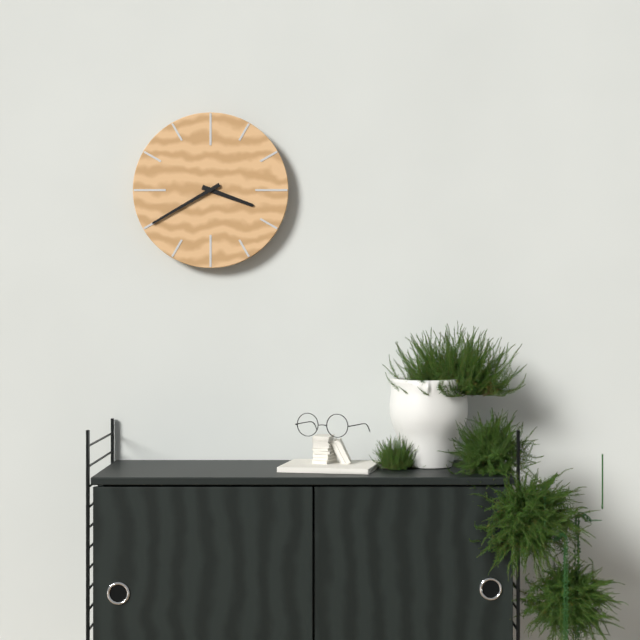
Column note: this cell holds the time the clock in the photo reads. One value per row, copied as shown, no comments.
3:40
